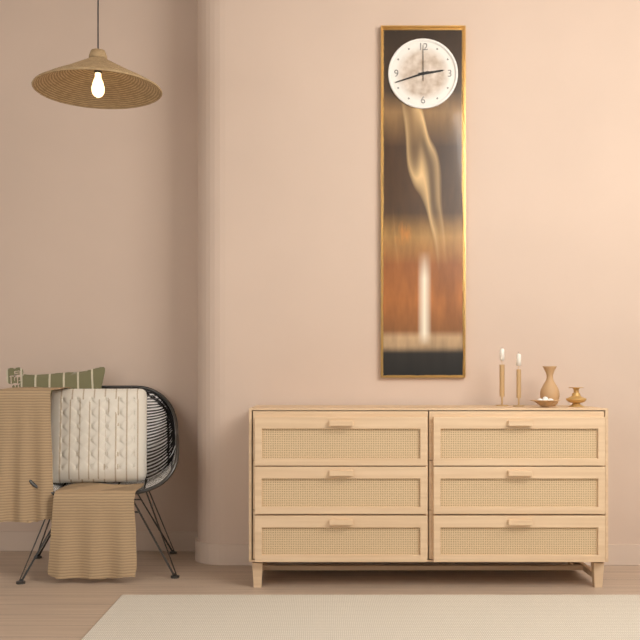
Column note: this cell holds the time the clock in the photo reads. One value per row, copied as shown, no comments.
2:42
